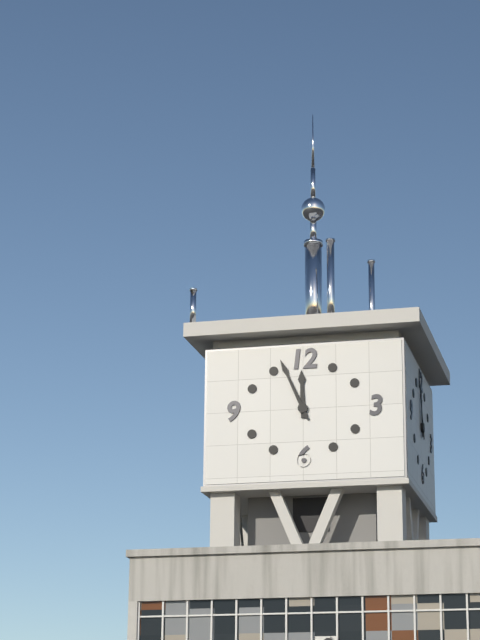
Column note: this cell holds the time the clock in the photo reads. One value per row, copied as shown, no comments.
11:56
